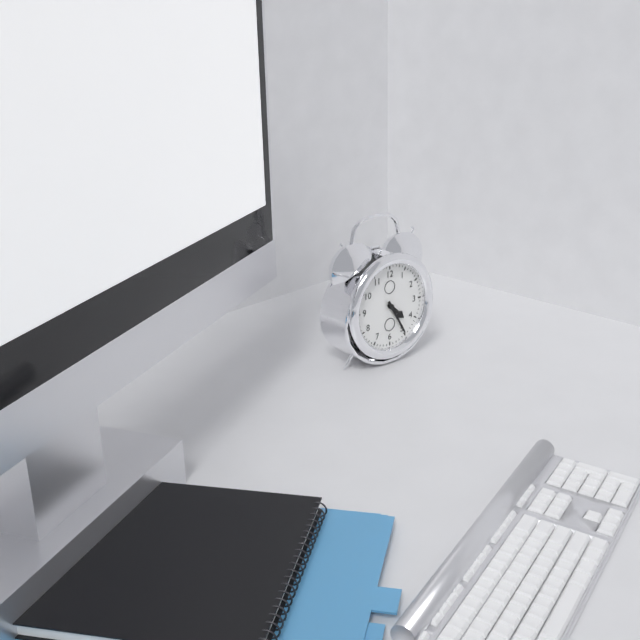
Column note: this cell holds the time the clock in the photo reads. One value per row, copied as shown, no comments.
4:25
